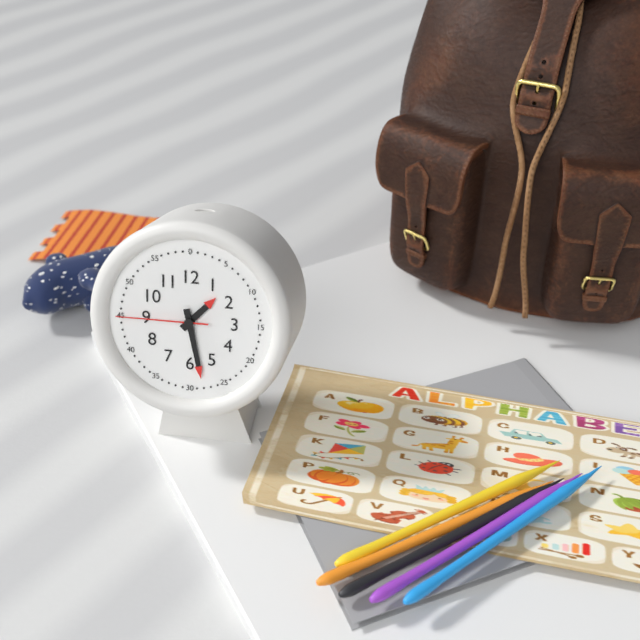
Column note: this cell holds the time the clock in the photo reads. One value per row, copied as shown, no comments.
1:28:45
